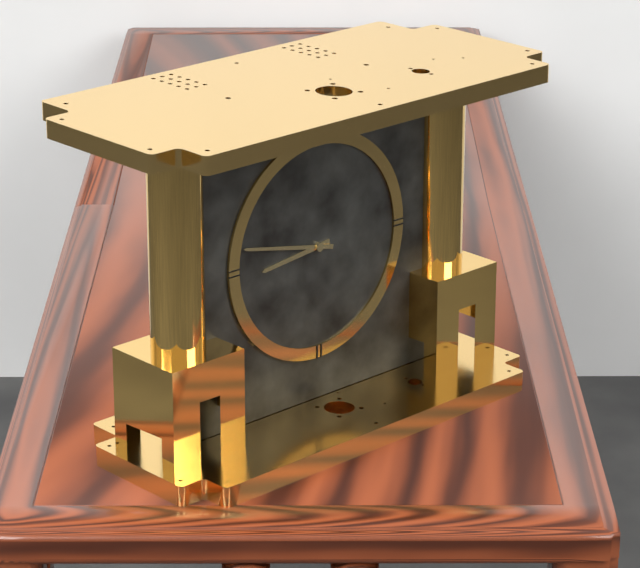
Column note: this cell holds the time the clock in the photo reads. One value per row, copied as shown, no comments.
8:47
